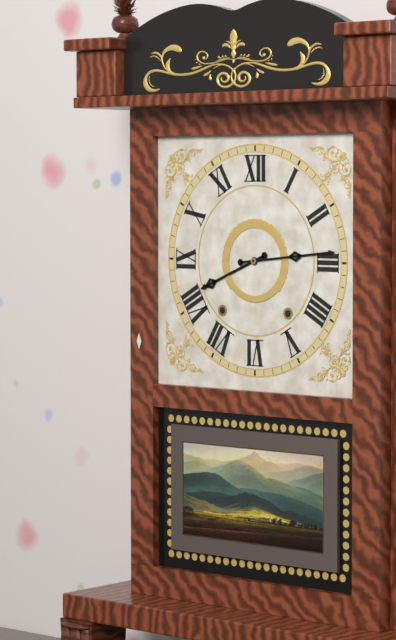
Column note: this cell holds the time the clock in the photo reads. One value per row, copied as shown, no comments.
8:14
